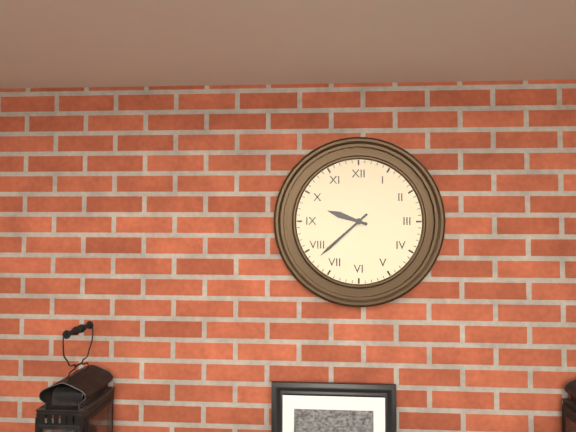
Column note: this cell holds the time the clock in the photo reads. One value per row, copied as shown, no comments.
9:38
